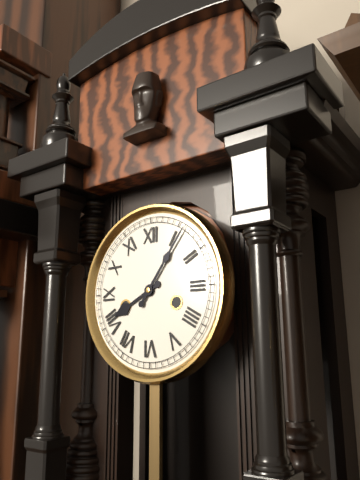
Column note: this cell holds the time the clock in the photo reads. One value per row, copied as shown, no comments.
8:06
